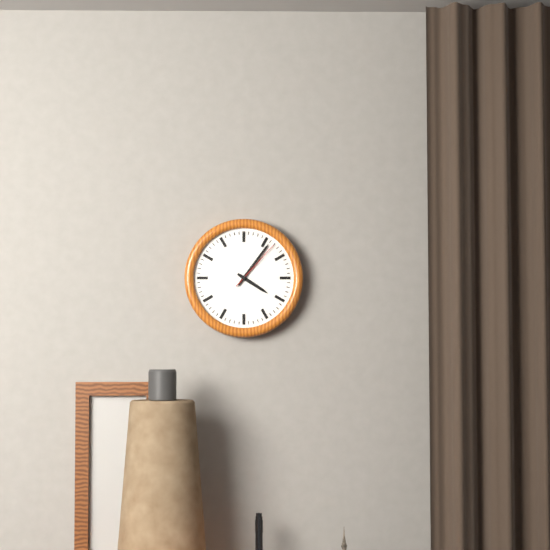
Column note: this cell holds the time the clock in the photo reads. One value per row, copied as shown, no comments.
4:06:07
